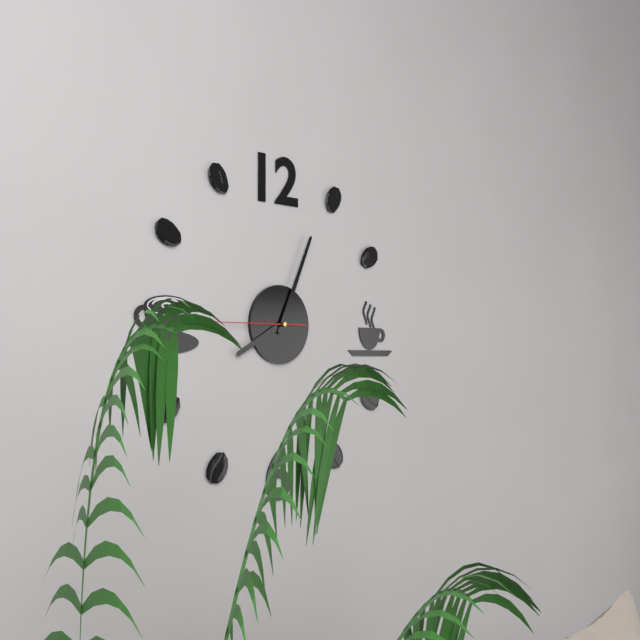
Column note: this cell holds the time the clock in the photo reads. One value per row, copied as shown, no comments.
8:04:45
